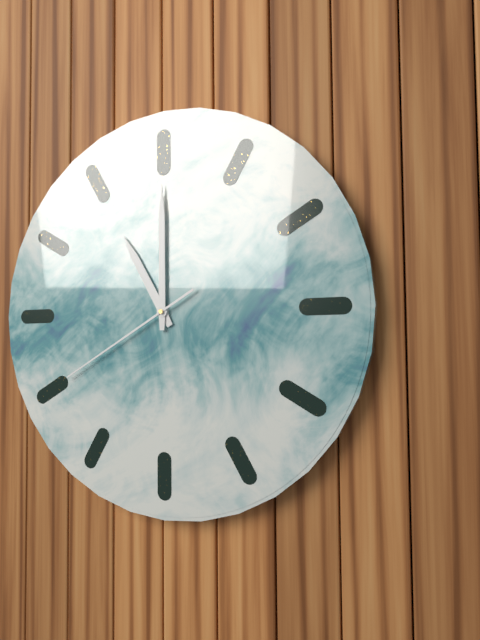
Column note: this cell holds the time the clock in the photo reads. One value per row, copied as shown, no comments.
11:00:40
